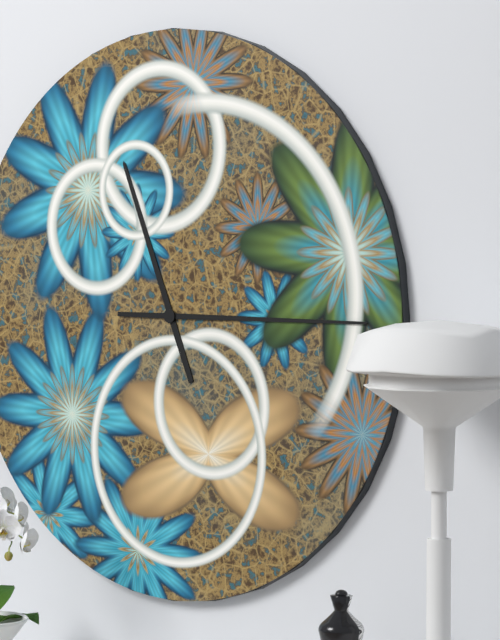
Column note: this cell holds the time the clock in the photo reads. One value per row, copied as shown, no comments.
11:15
